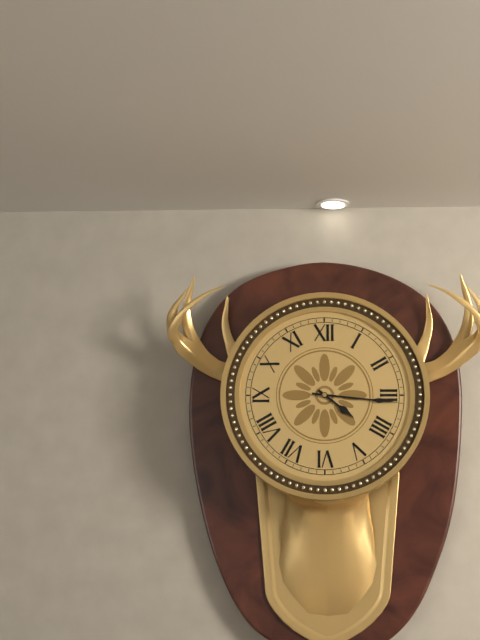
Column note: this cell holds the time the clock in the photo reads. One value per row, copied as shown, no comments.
4:16
